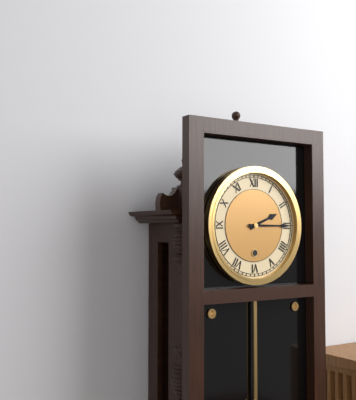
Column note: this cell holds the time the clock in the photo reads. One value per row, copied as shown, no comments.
2:15
